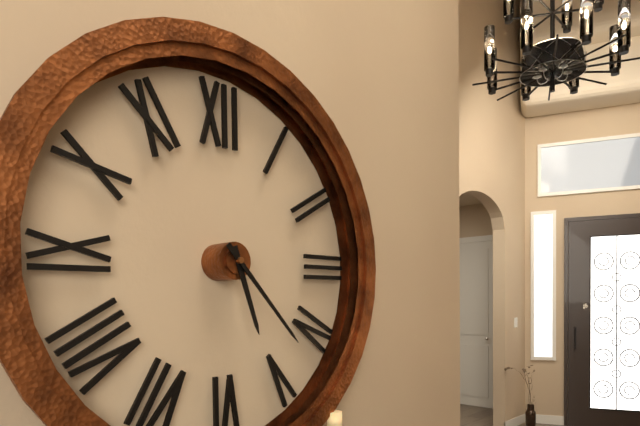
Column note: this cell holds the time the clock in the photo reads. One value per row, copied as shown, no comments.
5:23
